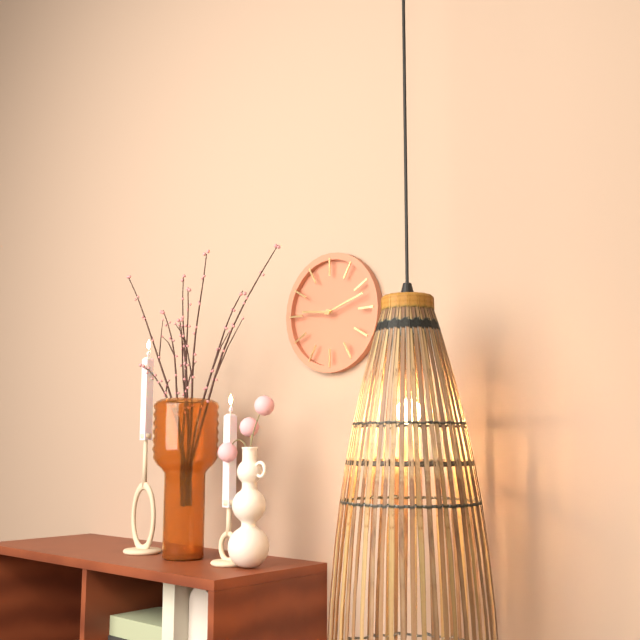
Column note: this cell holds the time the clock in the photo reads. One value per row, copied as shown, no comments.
9:12
